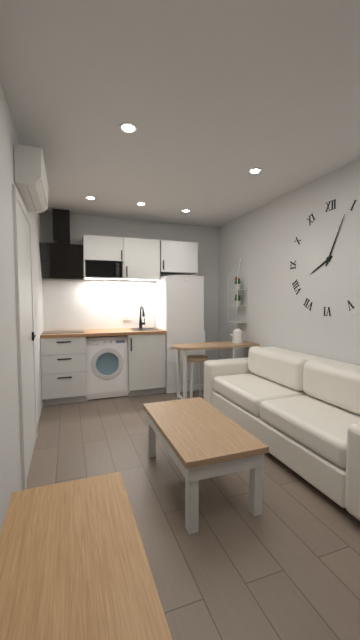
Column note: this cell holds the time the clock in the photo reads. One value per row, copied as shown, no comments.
8:04
